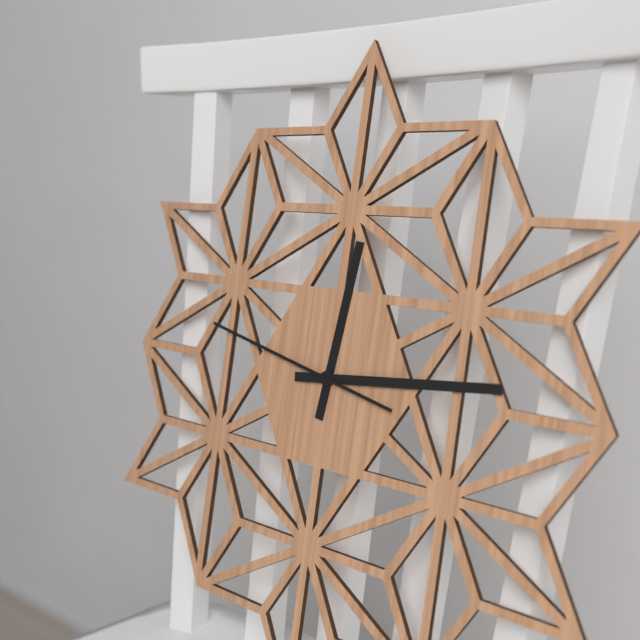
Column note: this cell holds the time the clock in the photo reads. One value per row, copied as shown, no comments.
12:14:47
